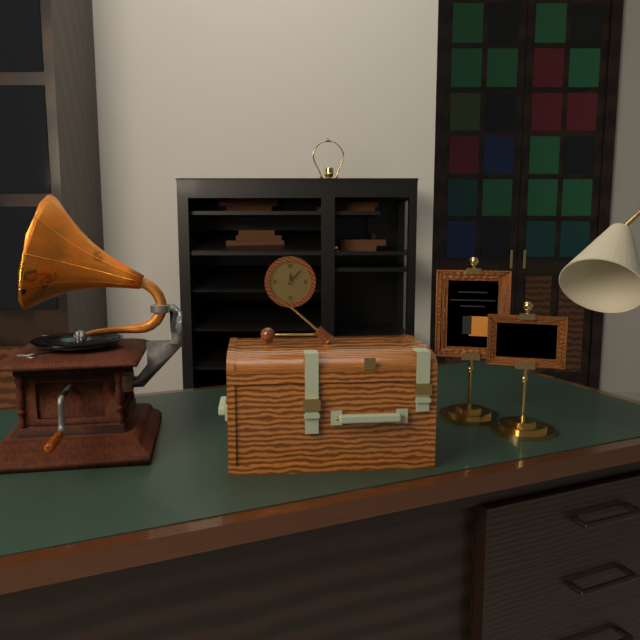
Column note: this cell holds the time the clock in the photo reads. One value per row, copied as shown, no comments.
12:07
